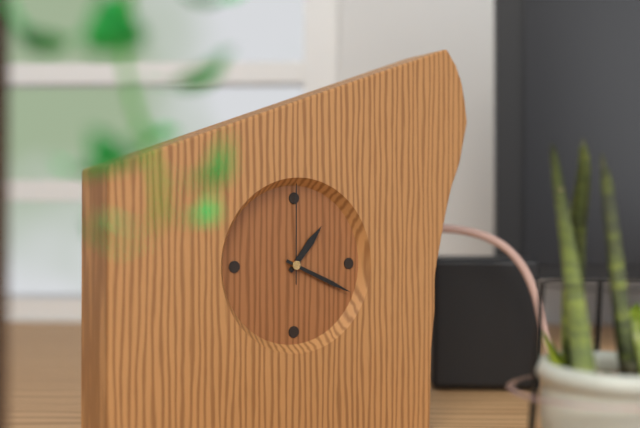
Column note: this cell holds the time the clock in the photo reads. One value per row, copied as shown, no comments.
1:19:00
